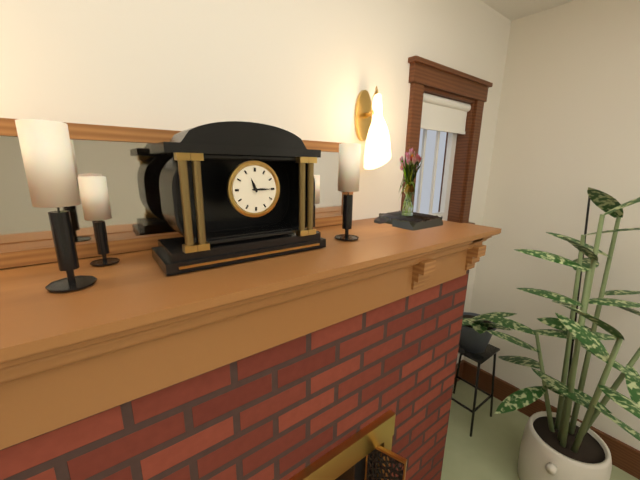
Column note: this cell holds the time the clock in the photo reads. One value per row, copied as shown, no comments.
11:15
